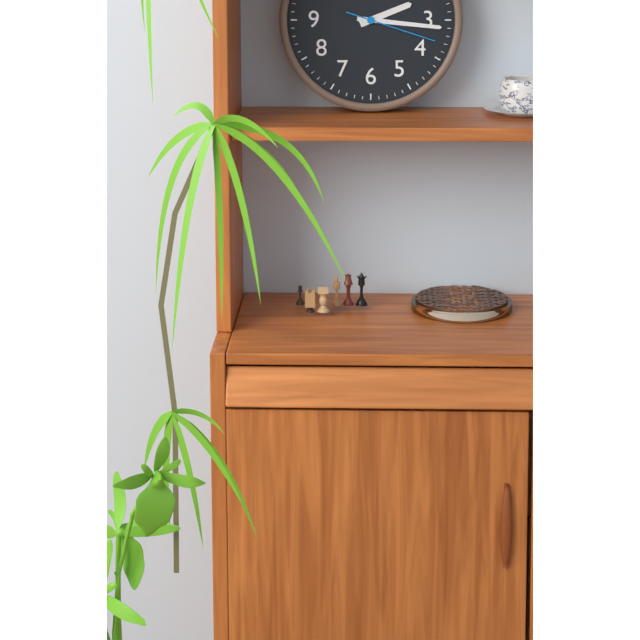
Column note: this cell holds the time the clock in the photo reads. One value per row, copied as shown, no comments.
2:16:18
